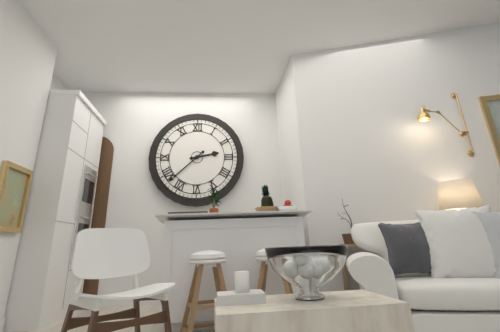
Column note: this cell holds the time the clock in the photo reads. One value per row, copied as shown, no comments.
2:38
